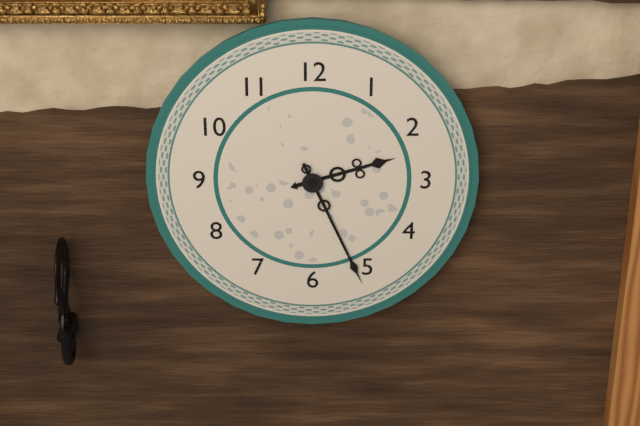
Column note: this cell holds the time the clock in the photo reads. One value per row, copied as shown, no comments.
2:26
